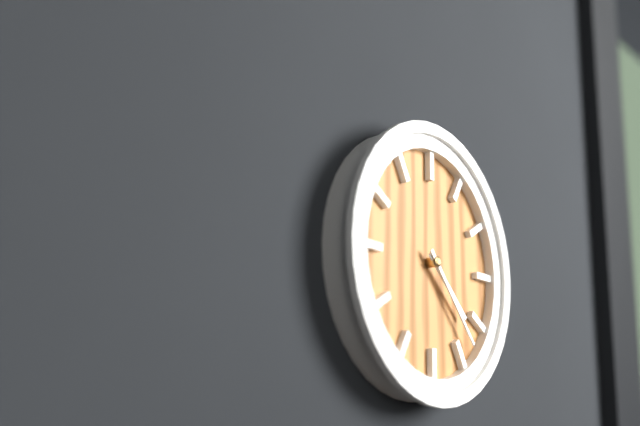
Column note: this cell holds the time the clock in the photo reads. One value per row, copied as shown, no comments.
4:23
